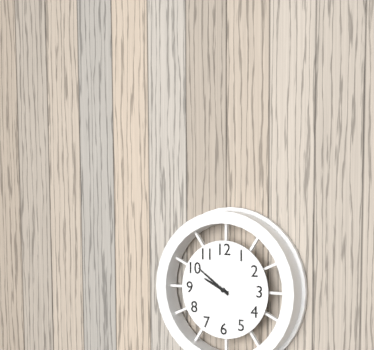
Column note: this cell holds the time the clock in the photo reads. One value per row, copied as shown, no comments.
9:51
